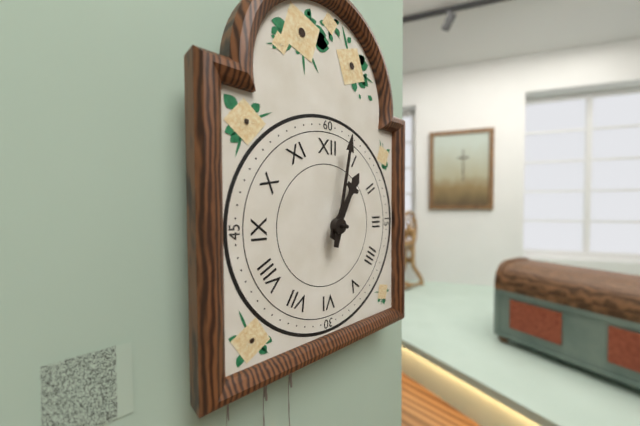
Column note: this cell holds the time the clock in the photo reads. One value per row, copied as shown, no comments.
1:02
